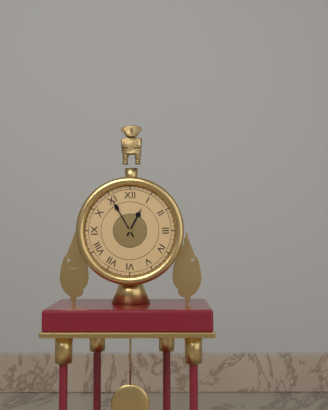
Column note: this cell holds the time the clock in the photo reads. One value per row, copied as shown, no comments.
12:55
